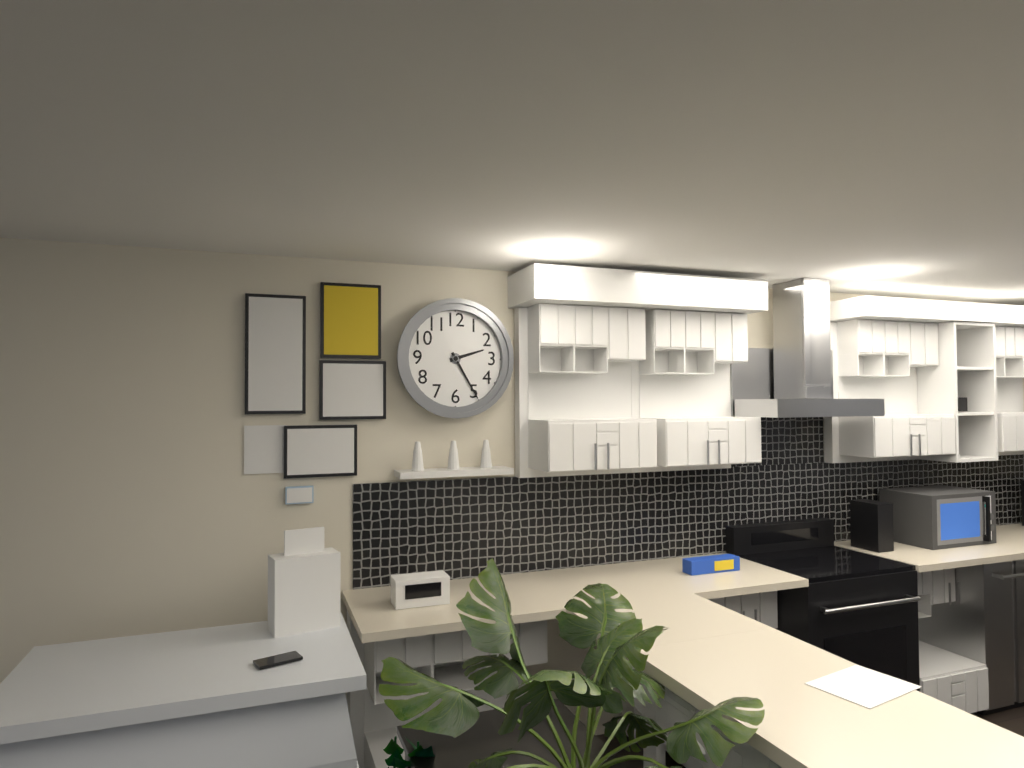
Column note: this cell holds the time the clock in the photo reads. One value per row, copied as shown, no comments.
2:25
